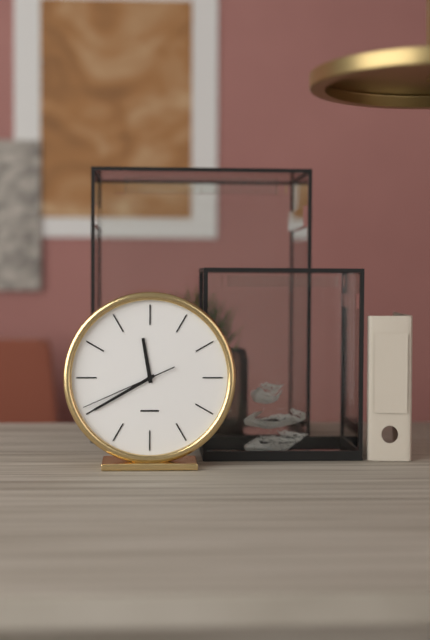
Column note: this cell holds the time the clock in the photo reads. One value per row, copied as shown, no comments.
11:40:41
